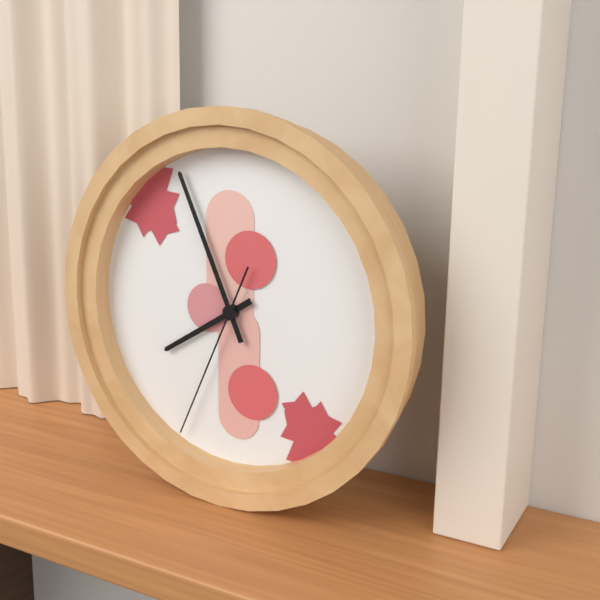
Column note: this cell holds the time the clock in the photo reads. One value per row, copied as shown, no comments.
7:56:34
